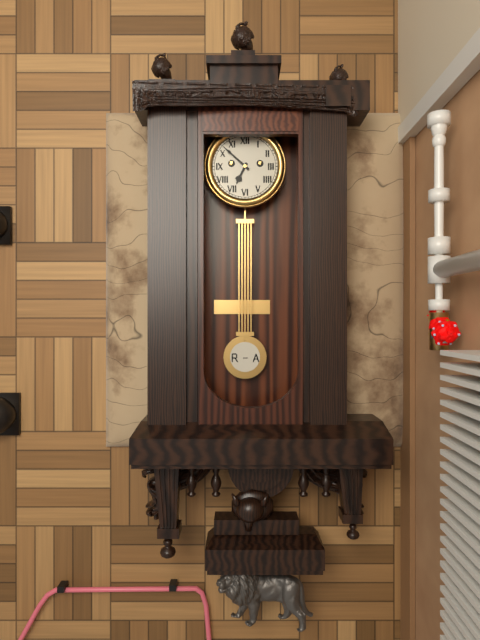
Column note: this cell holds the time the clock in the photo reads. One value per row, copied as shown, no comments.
6:52
